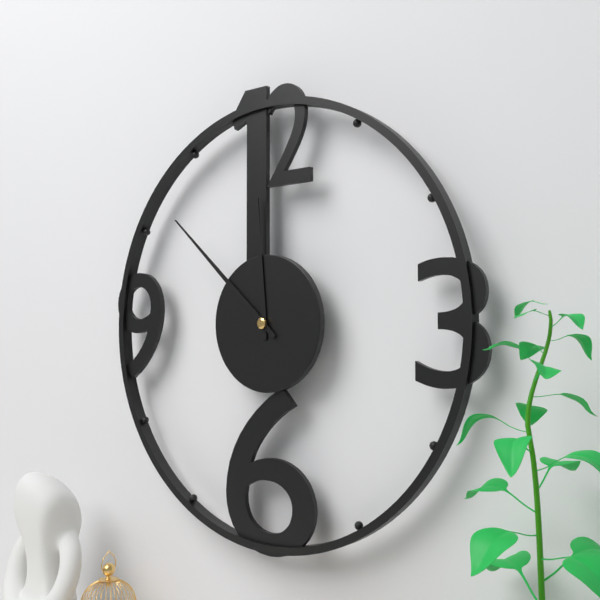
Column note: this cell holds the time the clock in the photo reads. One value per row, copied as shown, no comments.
11:52
